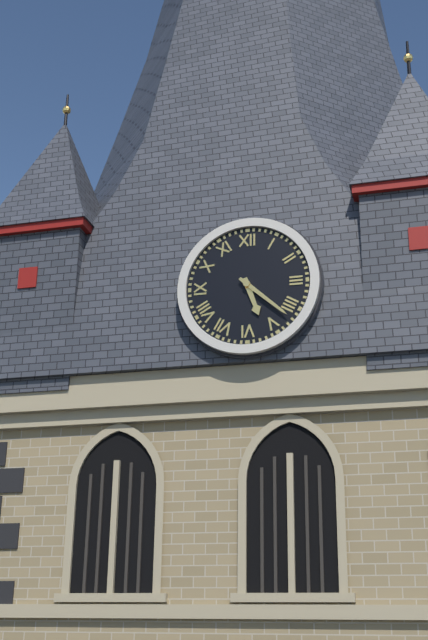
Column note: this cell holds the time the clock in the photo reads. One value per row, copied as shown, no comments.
5:22
